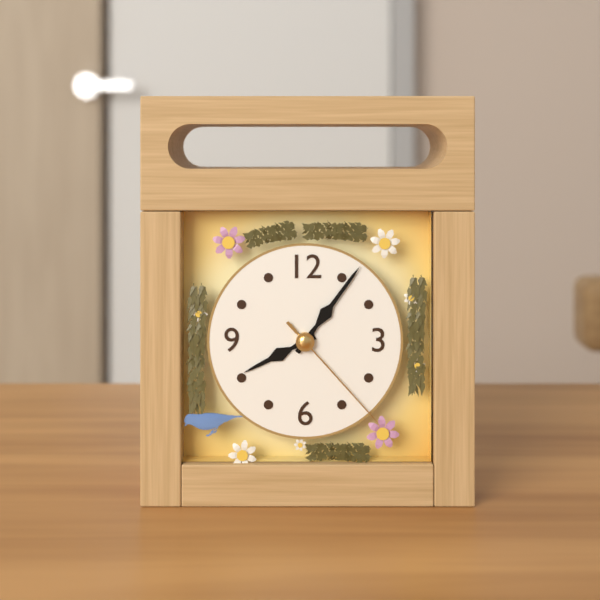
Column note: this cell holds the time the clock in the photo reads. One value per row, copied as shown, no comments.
8:06:23
